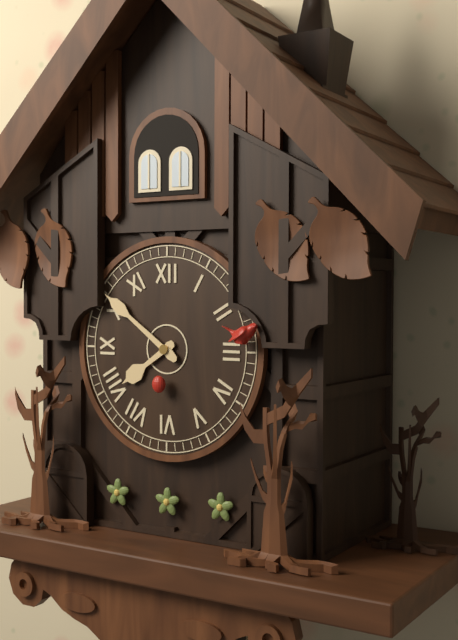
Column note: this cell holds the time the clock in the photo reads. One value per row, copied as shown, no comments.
7:51
